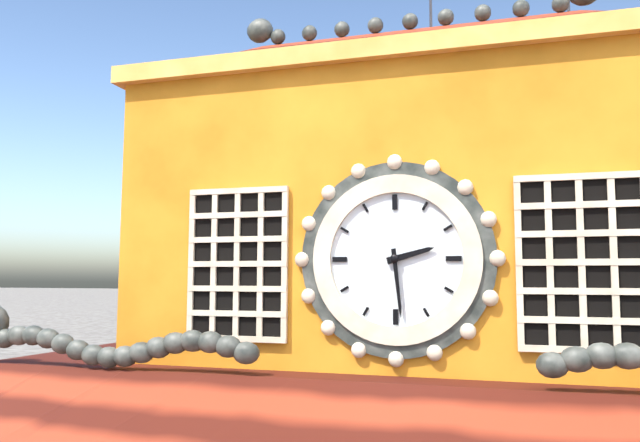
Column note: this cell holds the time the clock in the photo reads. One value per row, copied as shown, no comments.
2:29
